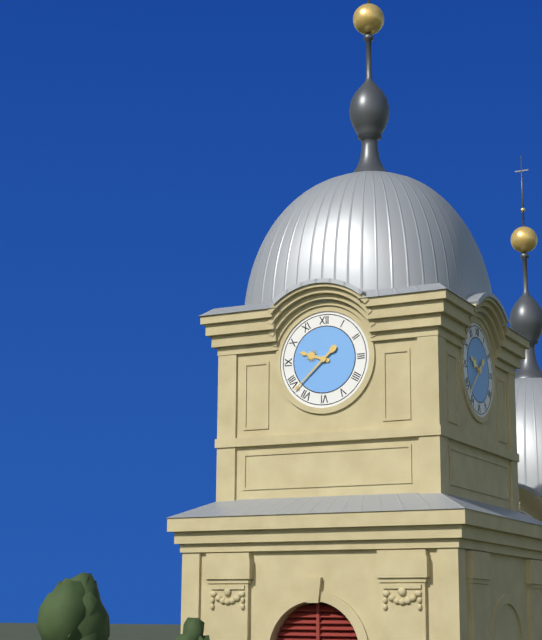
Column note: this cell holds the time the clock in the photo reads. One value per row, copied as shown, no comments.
9:38
